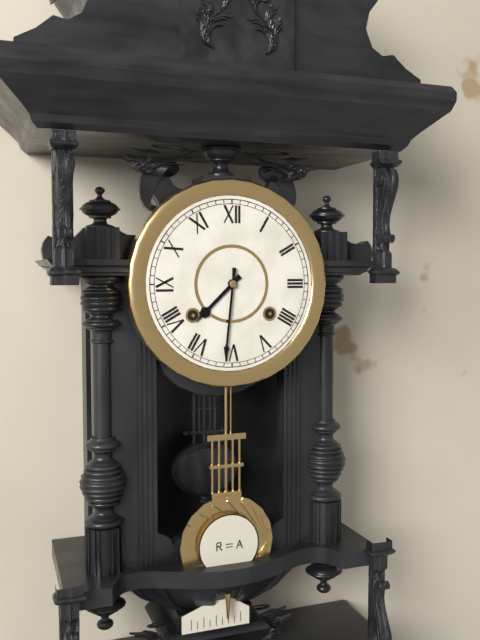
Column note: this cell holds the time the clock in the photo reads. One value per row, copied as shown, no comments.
7:31
